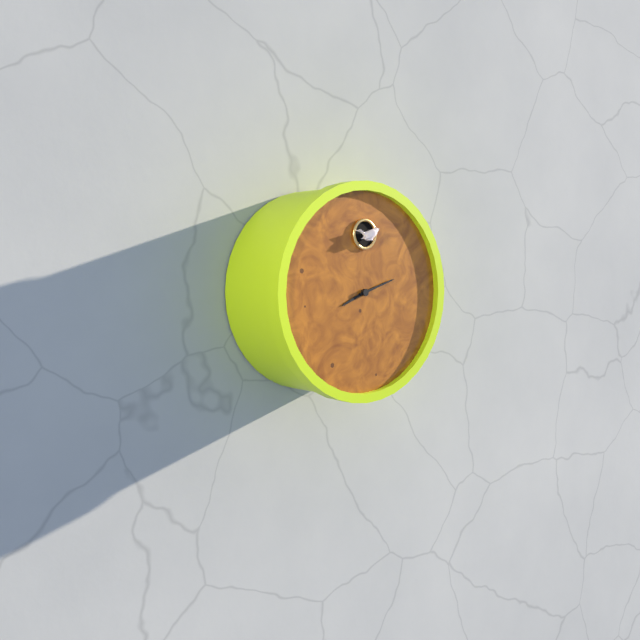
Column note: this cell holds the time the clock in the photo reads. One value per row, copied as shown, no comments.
8:12
